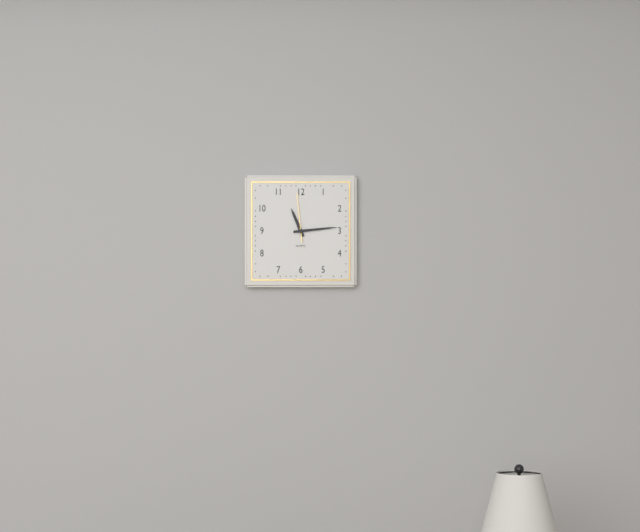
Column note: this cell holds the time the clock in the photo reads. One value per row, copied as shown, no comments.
11:14
